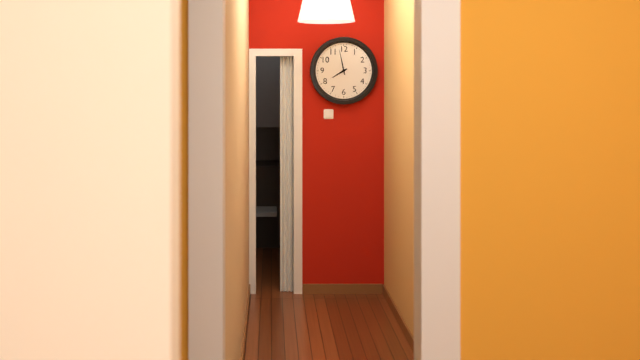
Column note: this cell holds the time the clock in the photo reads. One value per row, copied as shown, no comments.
7:58
